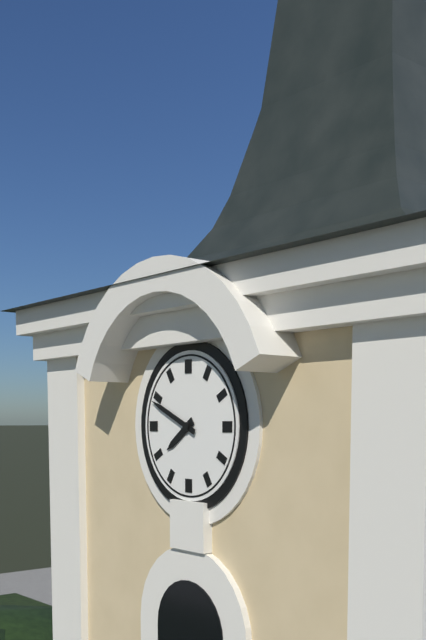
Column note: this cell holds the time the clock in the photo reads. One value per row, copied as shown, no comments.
7:49
